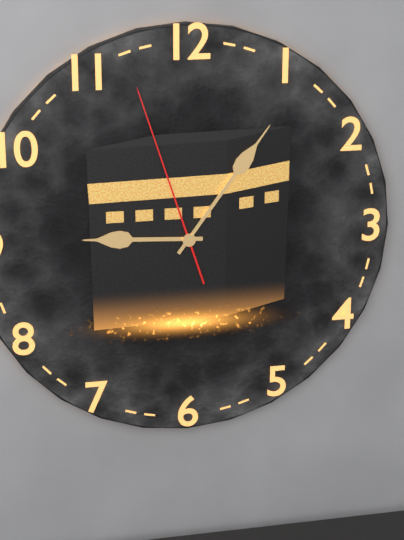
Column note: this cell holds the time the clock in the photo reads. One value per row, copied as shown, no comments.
9:06:57
